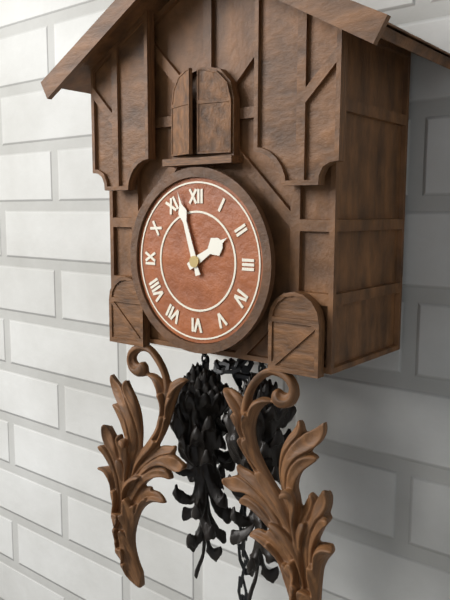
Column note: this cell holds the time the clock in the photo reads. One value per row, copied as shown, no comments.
1:57
